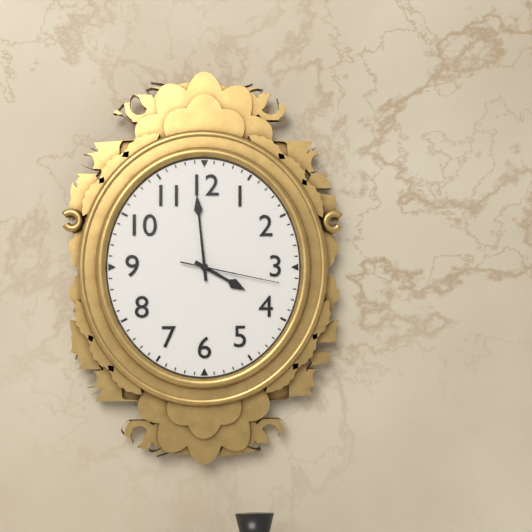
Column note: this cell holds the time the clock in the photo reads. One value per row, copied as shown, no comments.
3:59:17
